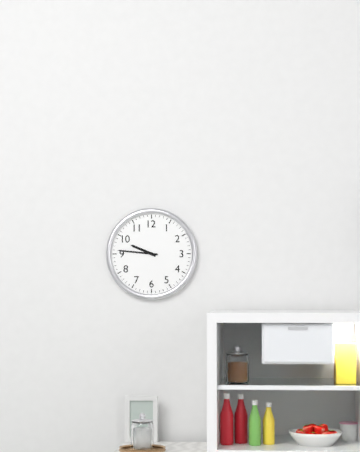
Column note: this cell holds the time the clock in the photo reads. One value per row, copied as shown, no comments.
9:46
